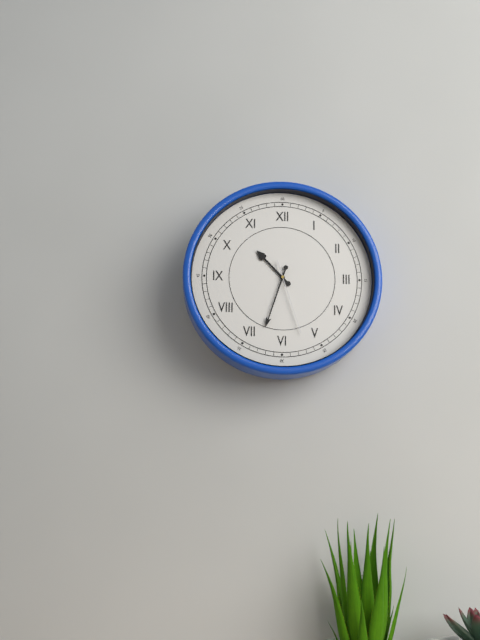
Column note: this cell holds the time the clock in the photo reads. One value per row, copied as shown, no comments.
10:33:27
